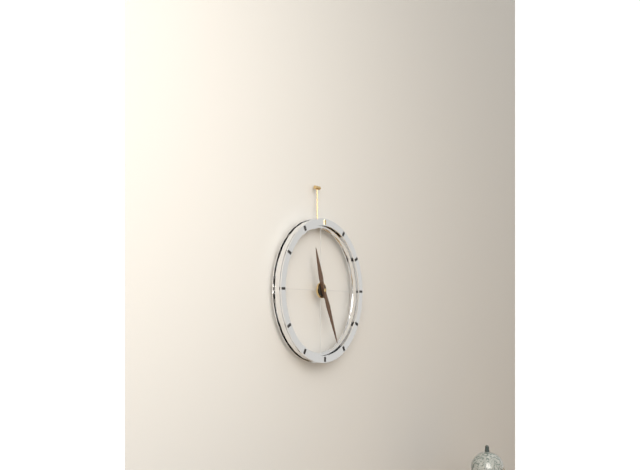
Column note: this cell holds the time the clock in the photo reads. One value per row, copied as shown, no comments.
11:26
